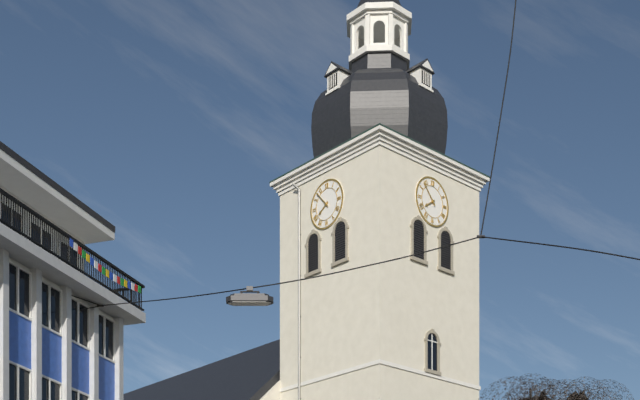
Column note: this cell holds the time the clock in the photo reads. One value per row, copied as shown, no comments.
7:53
